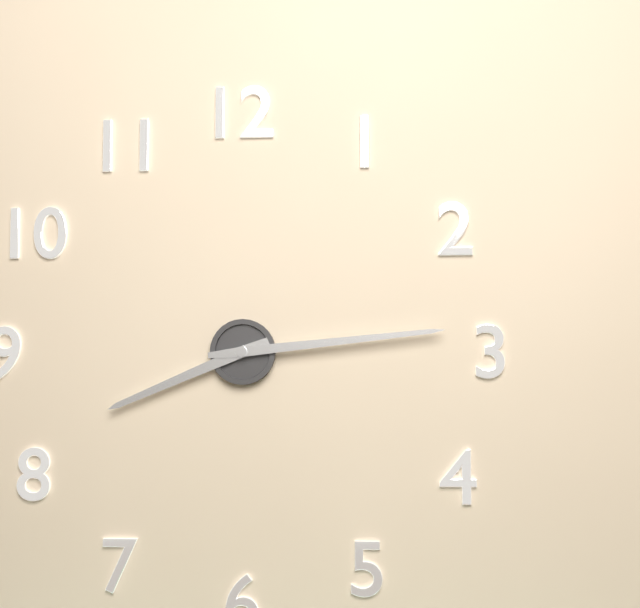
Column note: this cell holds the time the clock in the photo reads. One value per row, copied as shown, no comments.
8:14
